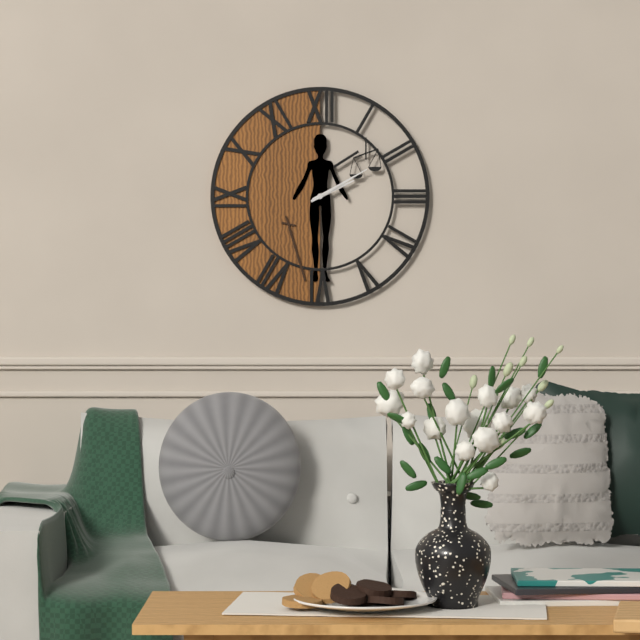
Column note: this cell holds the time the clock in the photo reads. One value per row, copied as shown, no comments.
2:10
